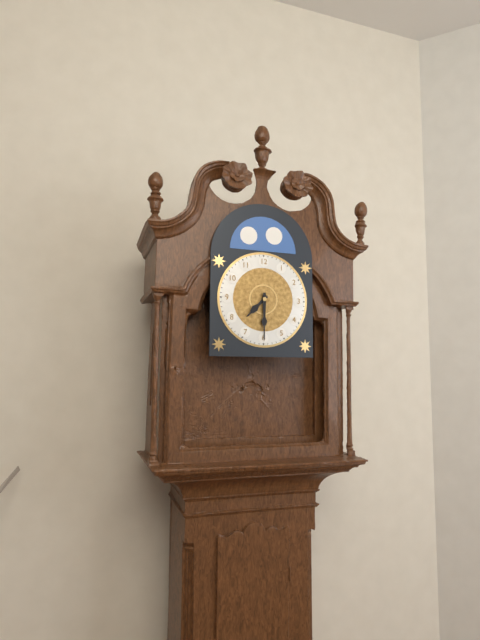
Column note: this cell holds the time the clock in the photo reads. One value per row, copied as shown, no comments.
7:30
